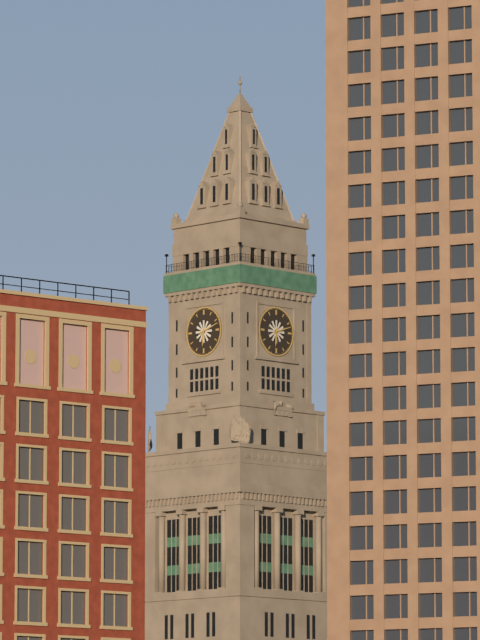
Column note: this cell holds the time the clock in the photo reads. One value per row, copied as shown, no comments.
6:12
